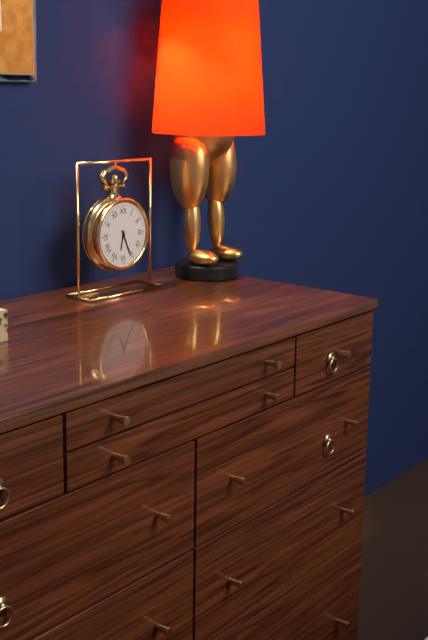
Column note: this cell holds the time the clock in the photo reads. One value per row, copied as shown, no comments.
6:26
